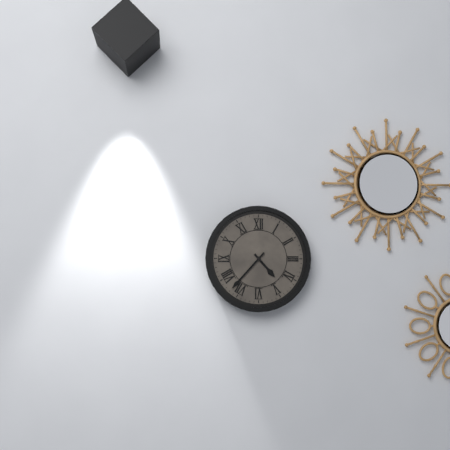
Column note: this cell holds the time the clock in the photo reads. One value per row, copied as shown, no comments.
4:37
